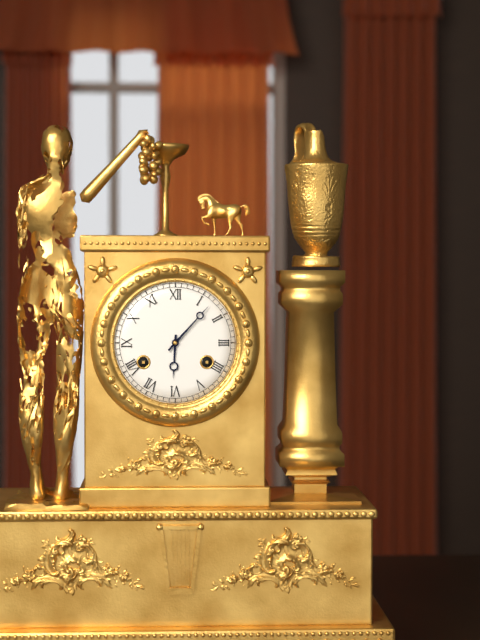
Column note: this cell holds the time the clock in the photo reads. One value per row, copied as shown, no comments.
6:07
